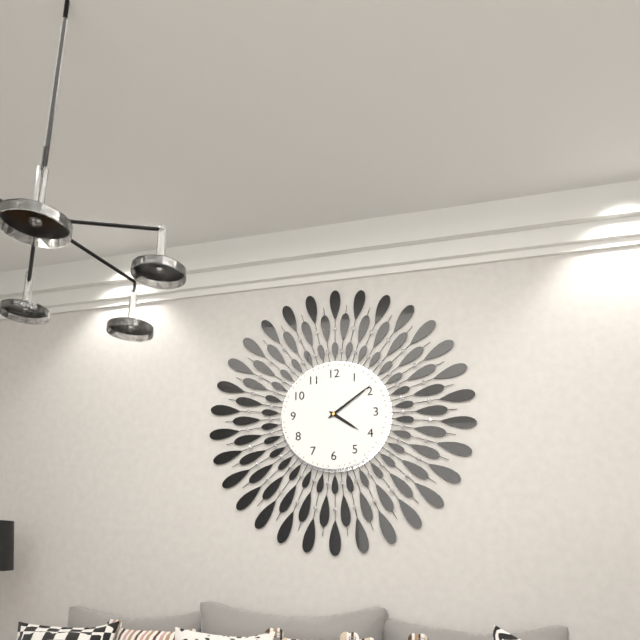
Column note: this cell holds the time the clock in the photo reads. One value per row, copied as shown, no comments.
4:09
